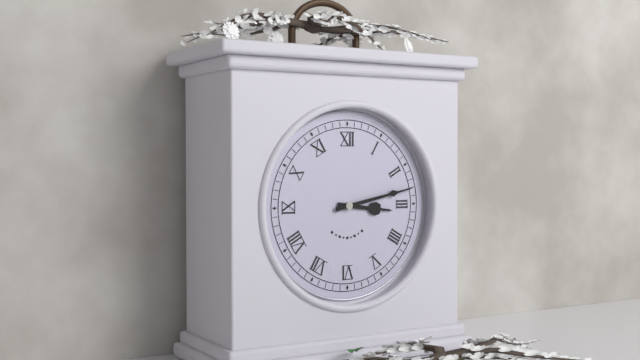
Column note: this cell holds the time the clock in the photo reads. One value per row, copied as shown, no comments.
3:13
